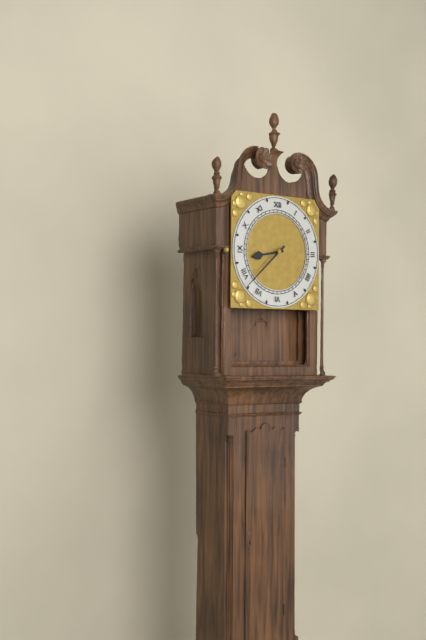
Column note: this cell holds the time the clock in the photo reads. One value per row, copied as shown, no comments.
8:38
